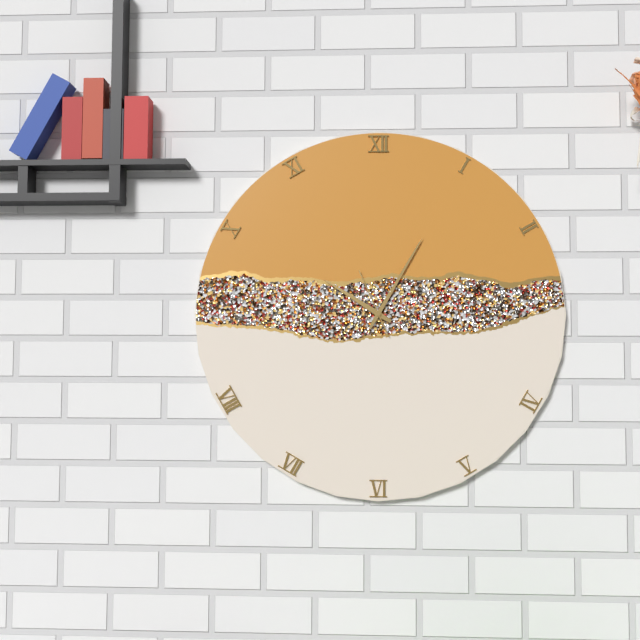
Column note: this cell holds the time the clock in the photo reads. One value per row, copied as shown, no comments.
10:05:56
